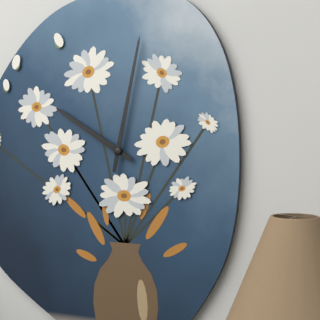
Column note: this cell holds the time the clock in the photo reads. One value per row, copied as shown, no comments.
10:02
